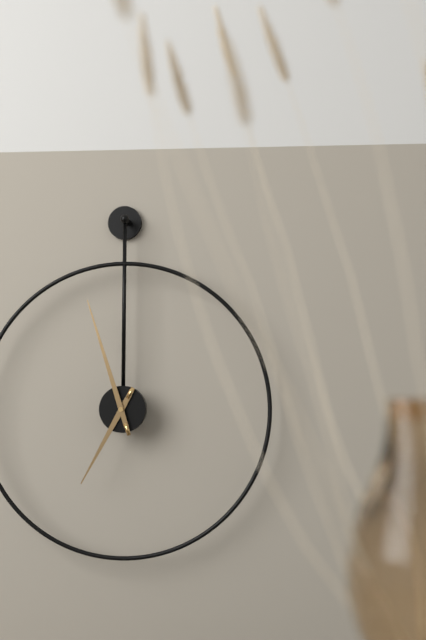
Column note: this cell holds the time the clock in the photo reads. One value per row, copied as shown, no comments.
6:57
